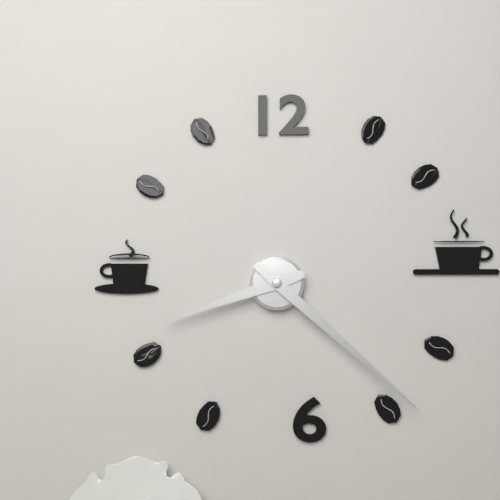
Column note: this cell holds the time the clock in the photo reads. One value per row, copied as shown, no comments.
8:22
